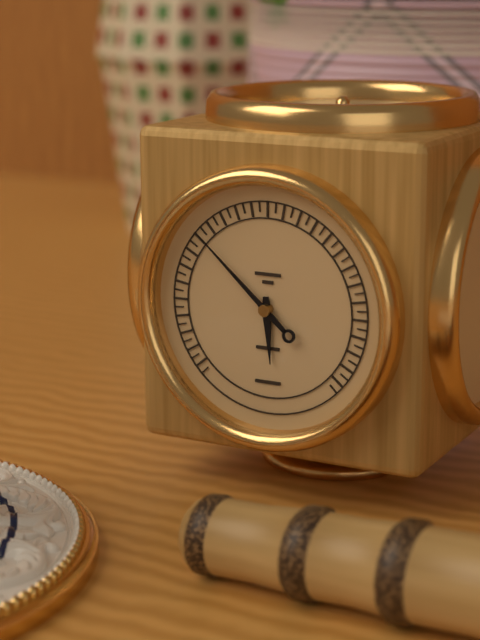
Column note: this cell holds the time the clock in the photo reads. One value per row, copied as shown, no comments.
5:52
